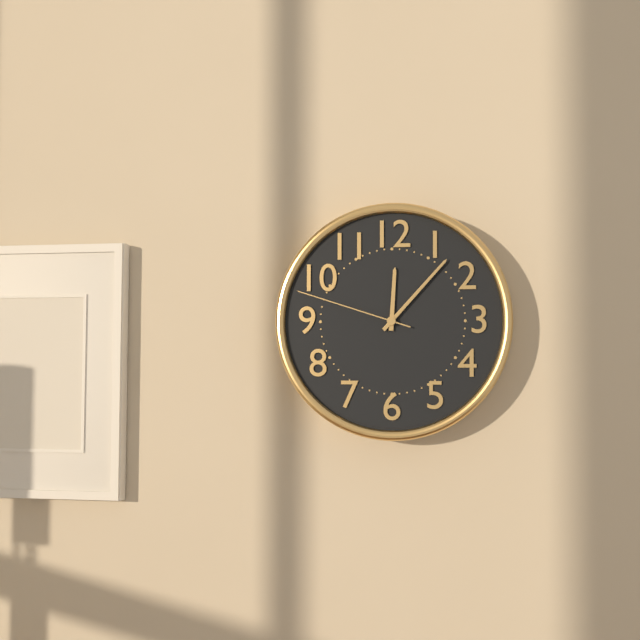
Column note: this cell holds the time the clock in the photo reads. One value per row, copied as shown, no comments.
12:07:48
